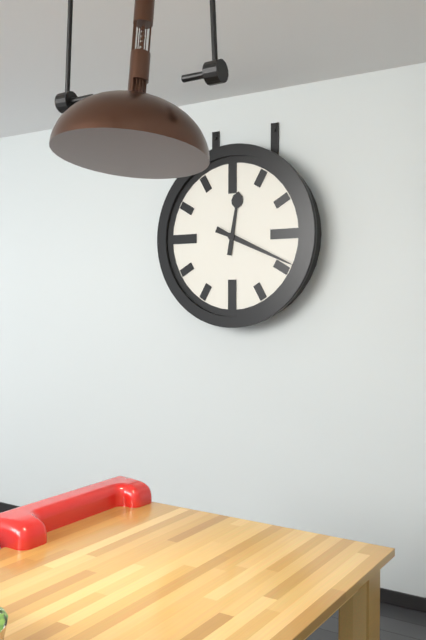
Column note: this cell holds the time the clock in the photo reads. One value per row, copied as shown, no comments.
12:19
